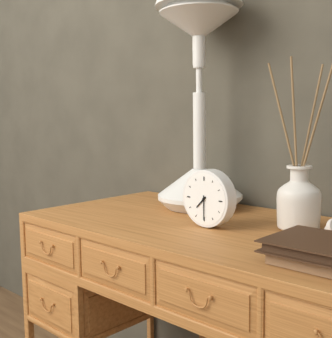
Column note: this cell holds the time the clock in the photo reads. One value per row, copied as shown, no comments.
7:30
